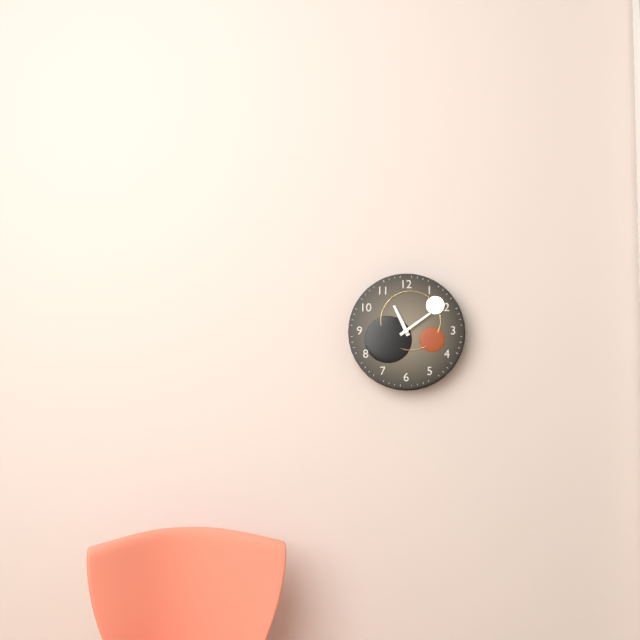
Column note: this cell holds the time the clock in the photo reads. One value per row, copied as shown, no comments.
11:09
